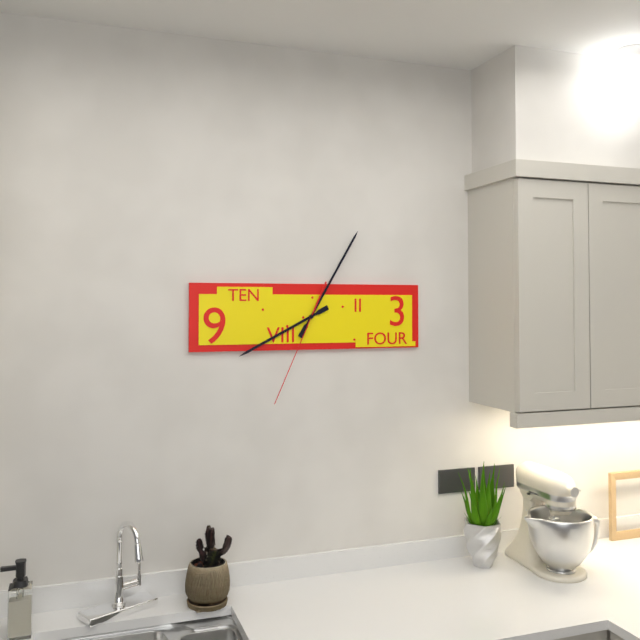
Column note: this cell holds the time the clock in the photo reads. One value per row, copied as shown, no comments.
8:05:34
